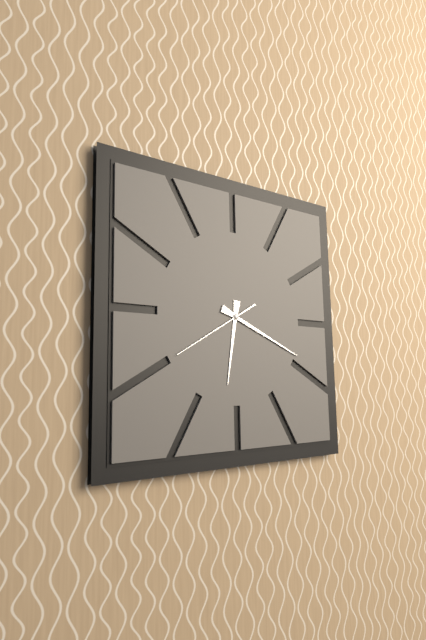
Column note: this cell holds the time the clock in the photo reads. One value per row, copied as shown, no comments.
6:19:40
